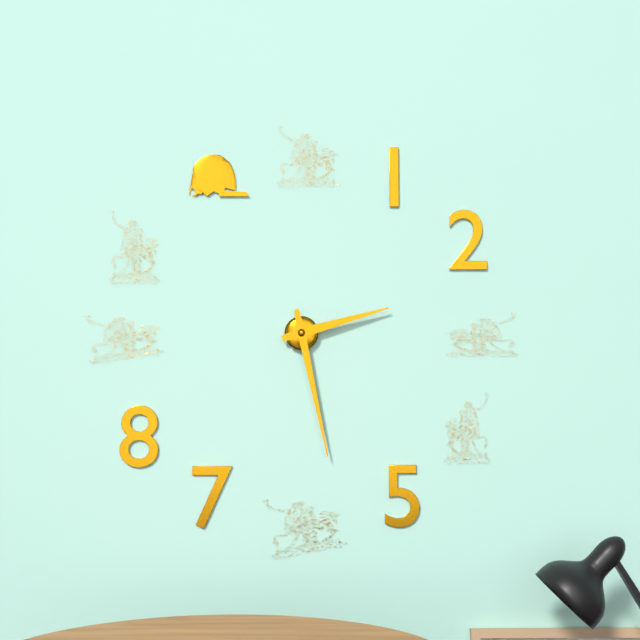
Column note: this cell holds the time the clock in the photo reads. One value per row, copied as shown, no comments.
2:28
